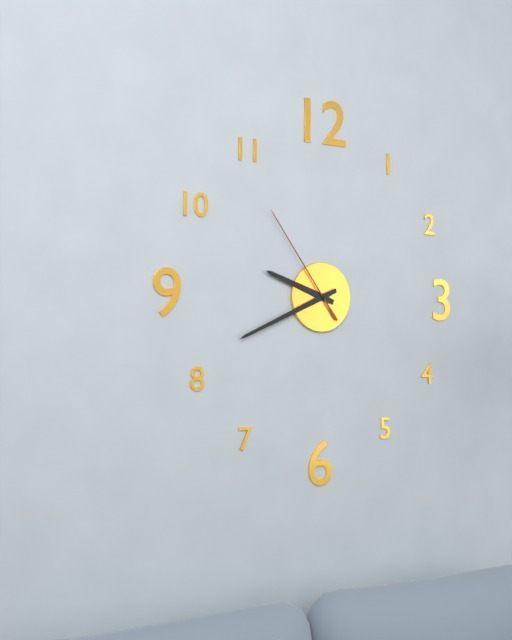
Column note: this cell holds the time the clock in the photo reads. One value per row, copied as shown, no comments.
9:41:54
